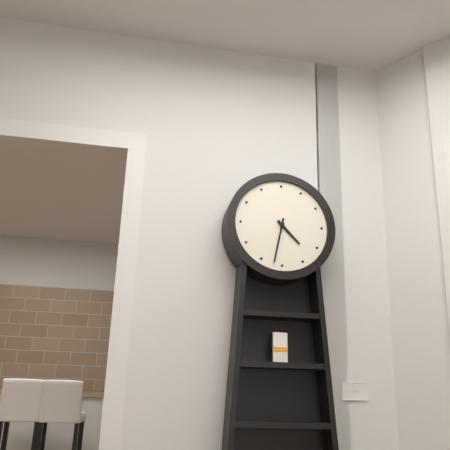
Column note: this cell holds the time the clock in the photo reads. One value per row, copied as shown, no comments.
4:32
